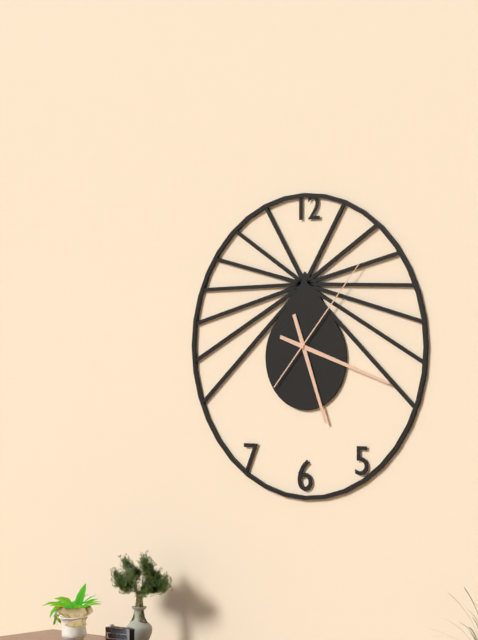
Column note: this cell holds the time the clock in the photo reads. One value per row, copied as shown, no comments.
5:18:07
